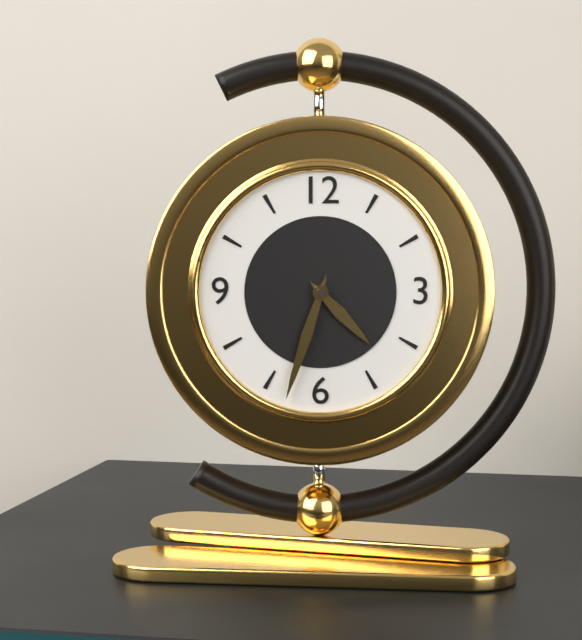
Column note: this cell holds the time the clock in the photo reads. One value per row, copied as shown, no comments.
4:33
